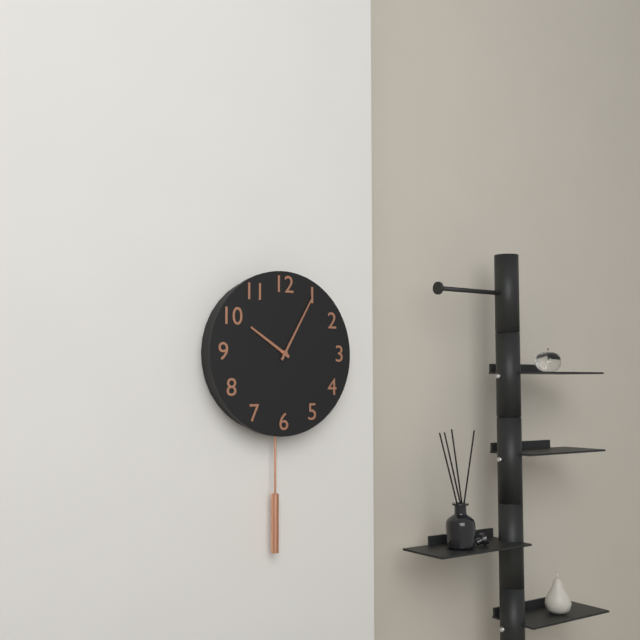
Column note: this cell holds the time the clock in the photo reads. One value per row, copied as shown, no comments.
10:05
